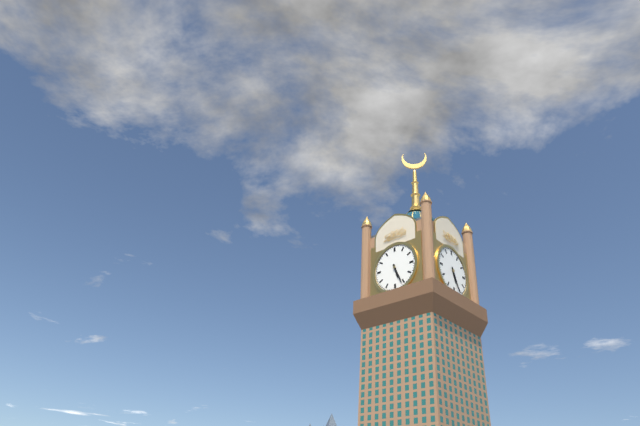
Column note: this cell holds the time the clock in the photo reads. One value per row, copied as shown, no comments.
5:26
